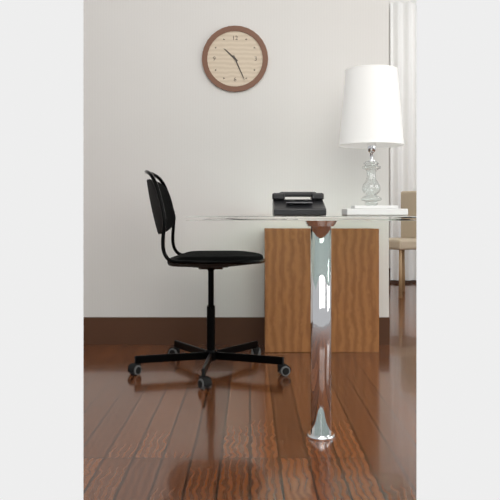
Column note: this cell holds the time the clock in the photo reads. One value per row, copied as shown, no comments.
10:26
